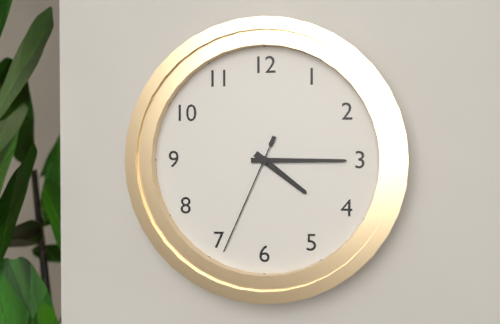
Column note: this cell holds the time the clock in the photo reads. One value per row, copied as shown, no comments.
4:15:34
